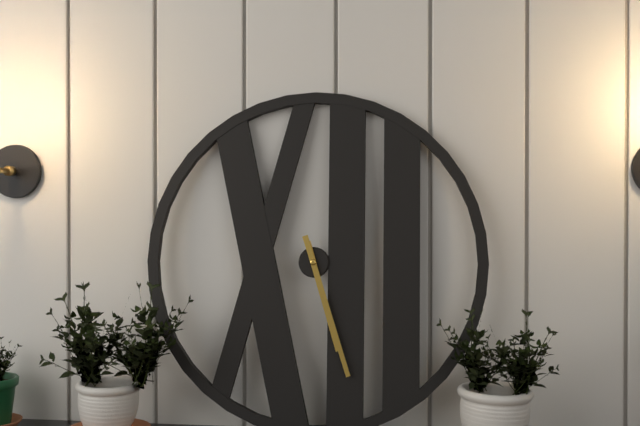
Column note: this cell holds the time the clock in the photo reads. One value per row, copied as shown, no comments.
5:27
